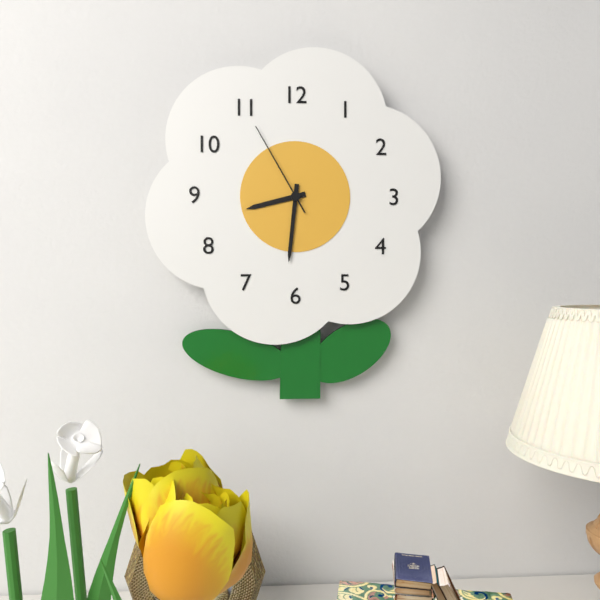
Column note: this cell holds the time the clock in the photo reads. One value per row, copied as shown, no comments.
8:31:55
